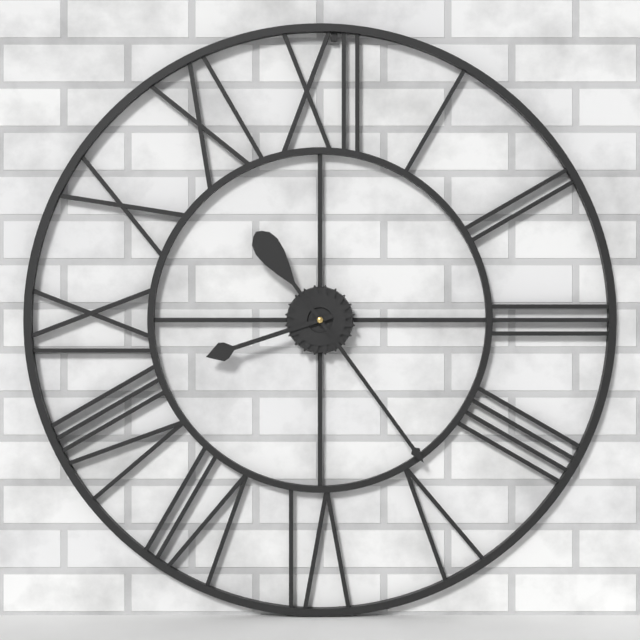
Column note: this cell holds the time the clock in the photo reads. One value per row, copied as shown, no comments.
8:24
